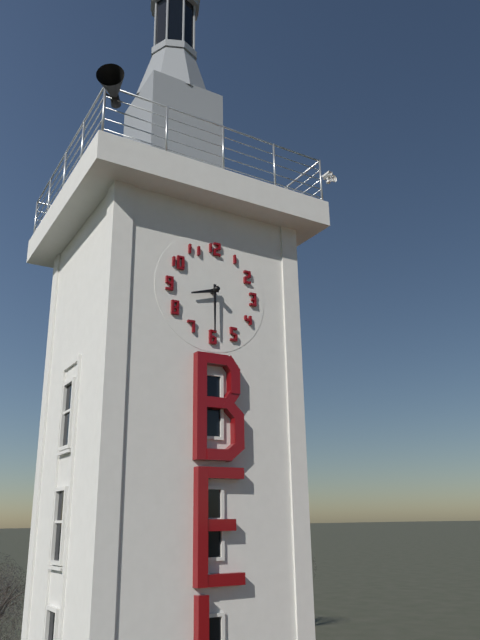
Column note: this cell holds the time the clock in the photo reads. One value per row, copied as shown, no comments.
8:30
